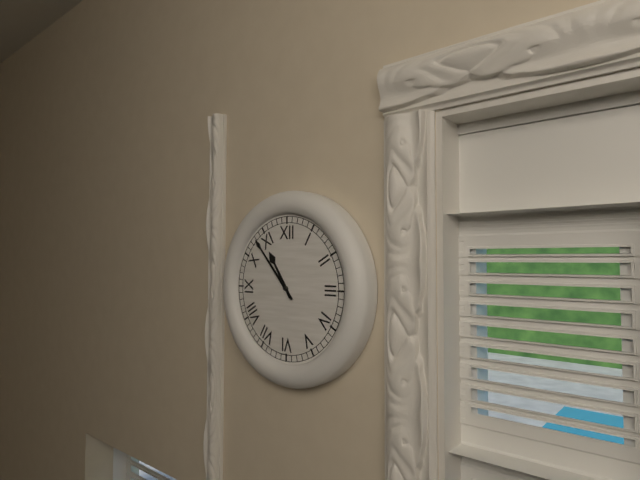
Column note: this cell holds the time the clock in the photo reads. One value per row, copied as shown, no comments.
10:53
